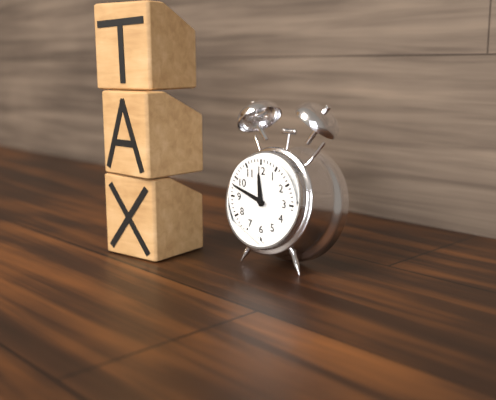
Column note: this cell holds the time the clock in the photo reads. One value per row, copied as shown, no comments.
11:48
